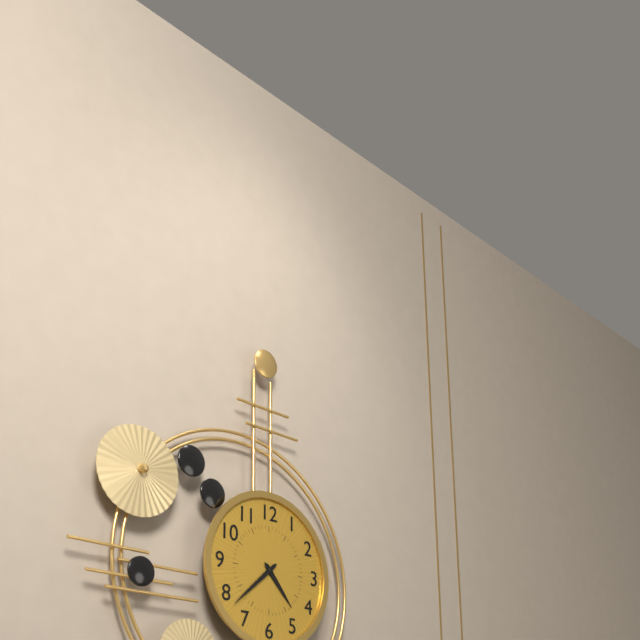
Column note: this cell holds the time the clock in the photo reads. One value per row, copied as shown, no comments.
4:38
